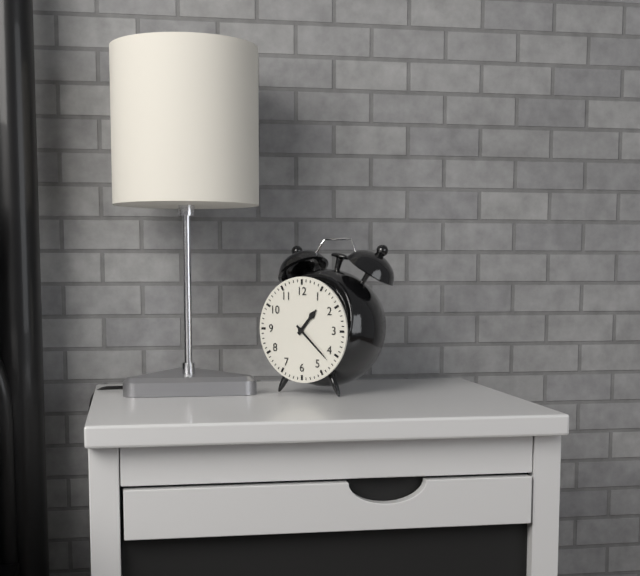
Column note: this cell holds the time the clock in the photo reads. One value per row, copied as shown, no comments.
1:22
